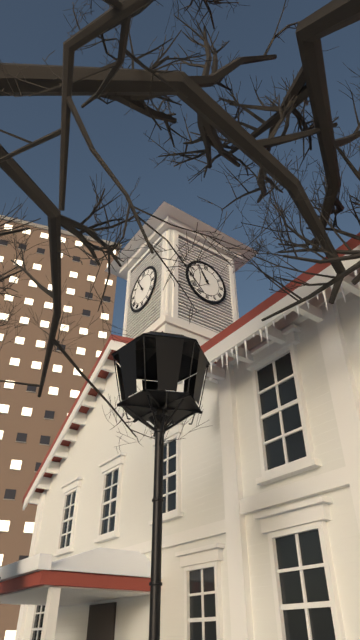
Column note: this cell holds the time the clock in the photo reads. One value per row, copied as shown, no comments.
10:55
